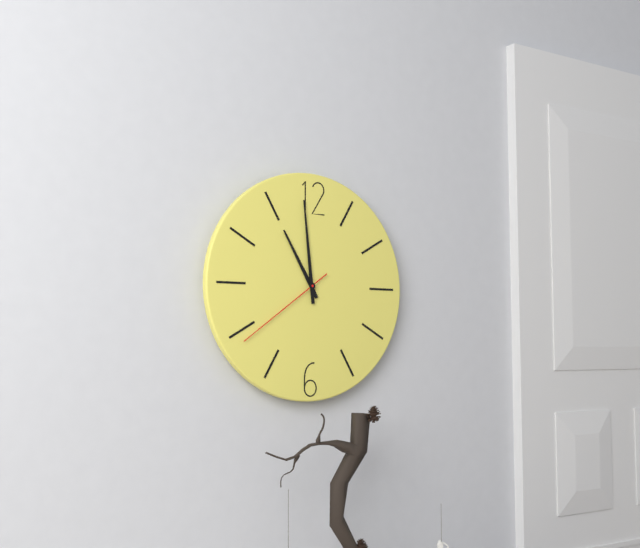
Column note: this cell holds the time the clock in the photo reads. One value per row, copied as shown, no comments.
10:59:39
